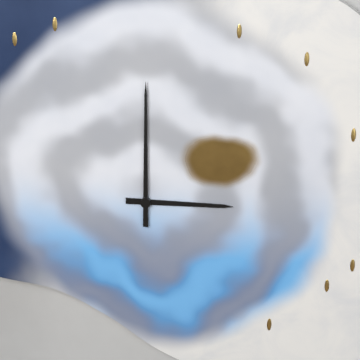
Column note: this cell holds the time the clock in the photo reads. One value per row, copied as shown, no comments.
3:00
